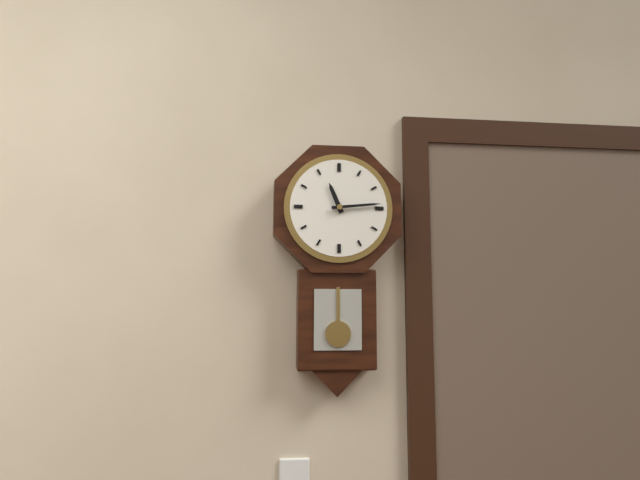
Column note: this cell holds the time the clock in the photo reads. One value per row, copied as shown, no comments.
11:14
